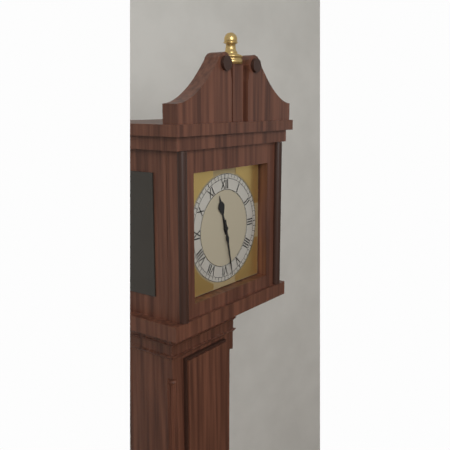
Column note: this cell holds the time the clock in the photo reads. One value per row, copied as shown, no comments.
11:28
